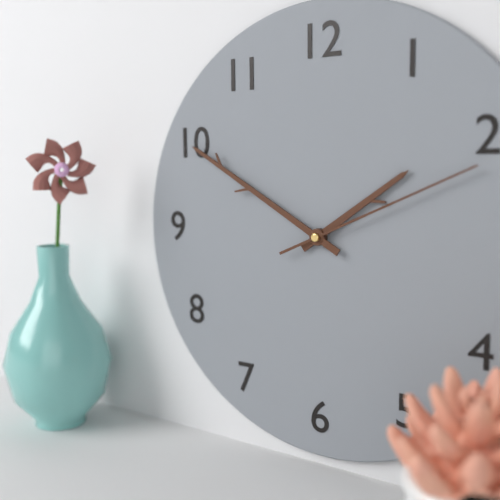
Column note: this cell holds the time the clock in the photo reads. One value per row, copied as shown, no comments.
1:50:11
